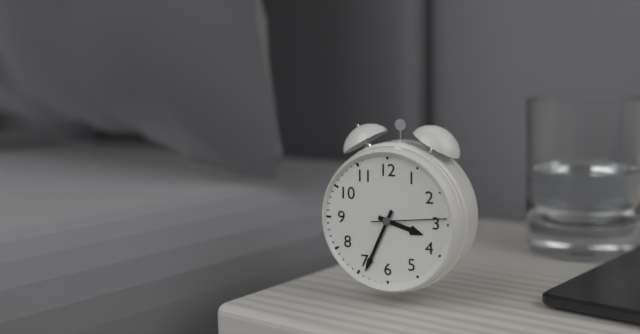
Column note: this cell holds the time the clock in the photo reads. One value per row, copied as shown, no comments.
3:34:14
